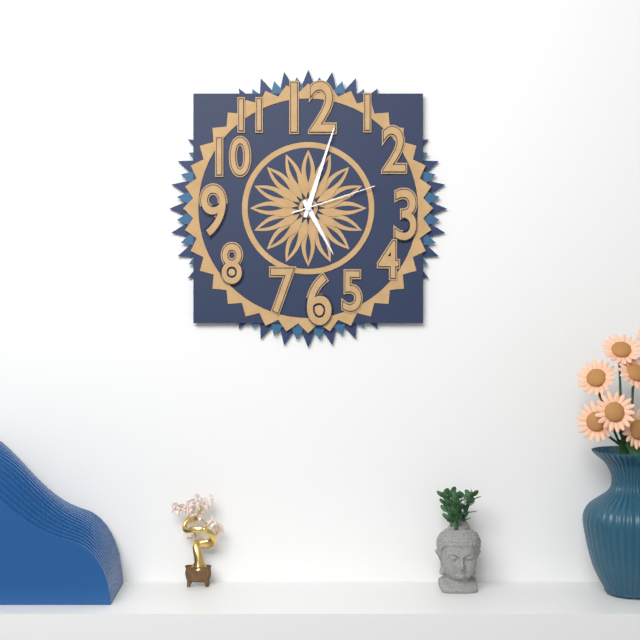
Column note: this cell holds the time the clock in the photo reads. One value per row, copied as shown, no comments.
5:03:12
